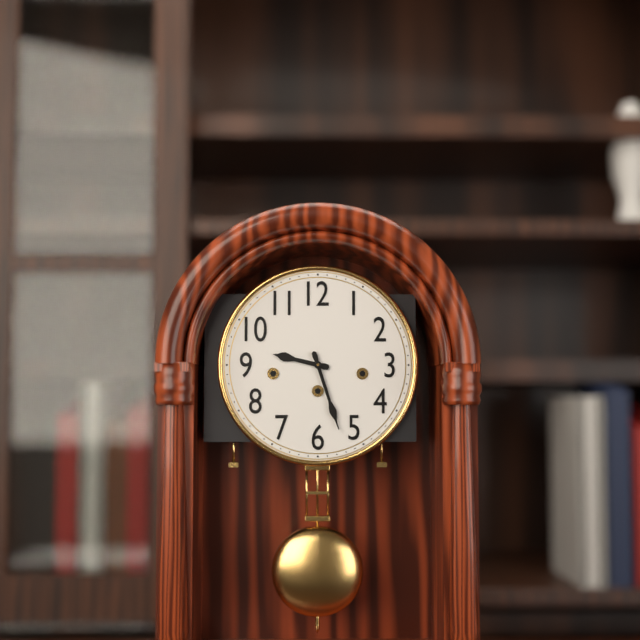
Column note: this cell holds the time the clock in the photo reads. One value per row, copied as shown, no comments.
9:27
